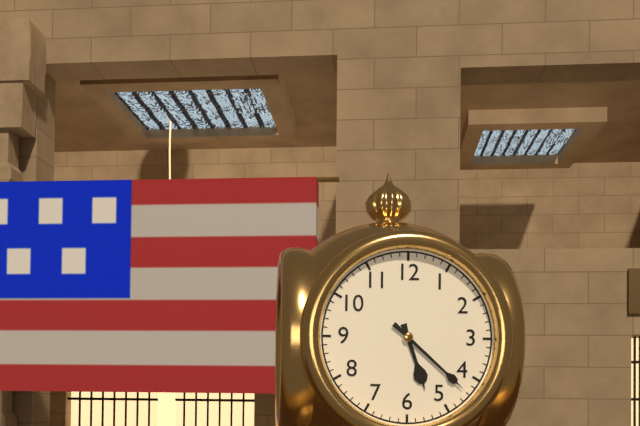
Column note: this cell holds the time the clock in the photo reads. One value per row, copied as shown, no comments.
5:22
